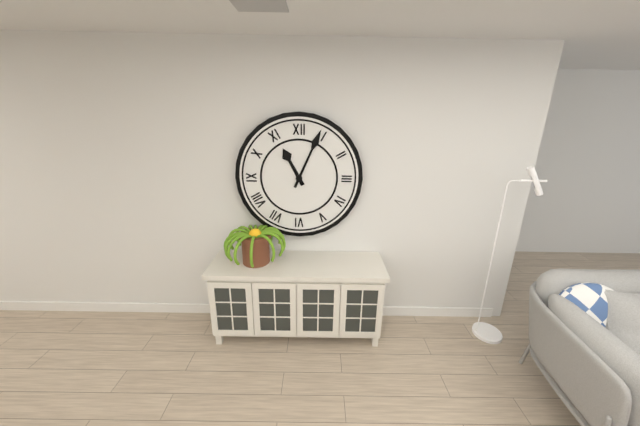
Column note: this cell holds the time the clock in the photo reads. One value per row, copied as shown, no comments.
11:04
